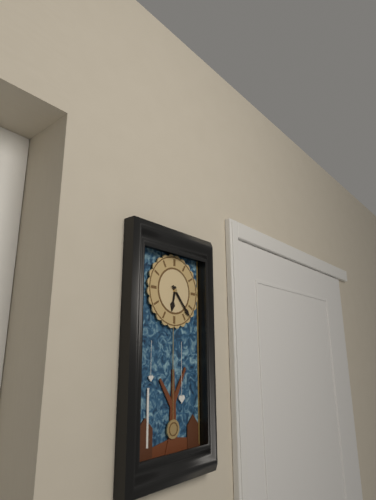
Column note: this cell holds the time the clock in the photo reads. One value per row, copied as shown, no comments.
6:23
